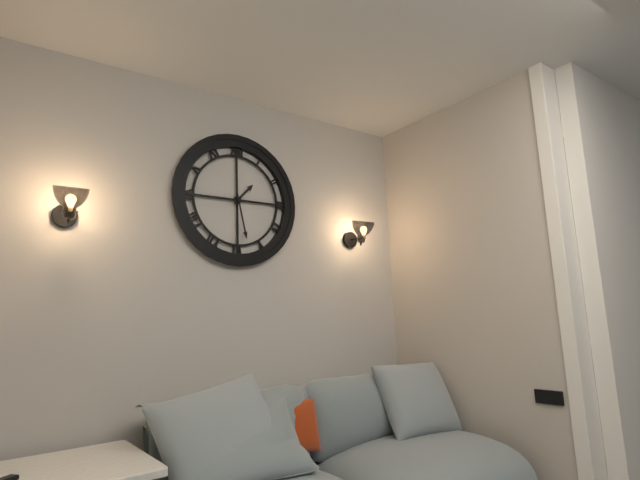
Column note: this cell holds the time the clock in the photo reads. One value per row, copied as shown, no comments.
1:28
